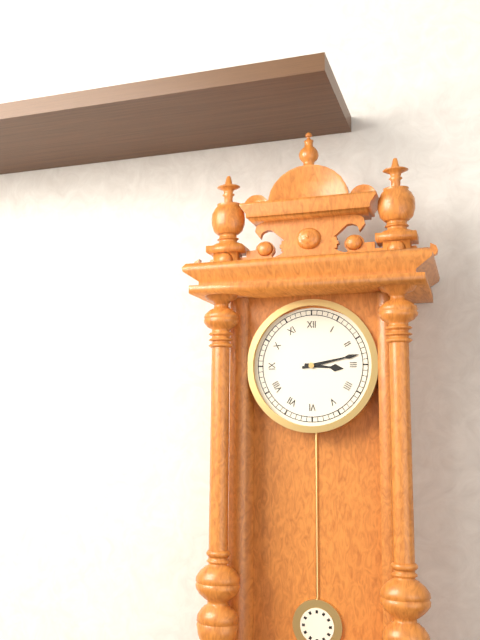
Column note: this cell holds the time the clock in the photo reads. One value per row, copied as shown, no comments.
3:13
